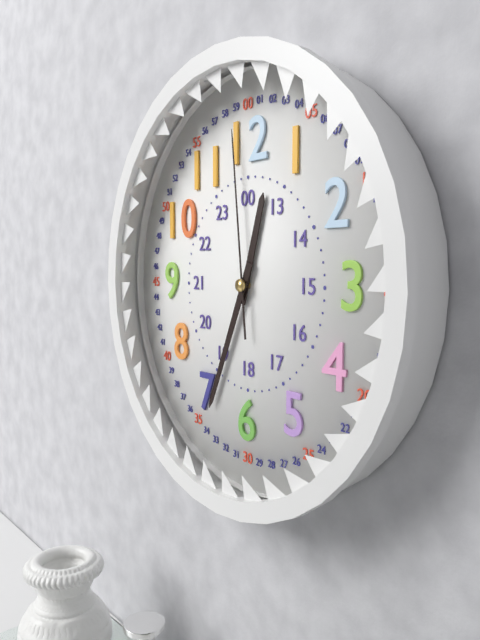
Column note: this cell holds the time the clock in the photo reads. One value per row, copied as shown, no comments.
12:34:59
